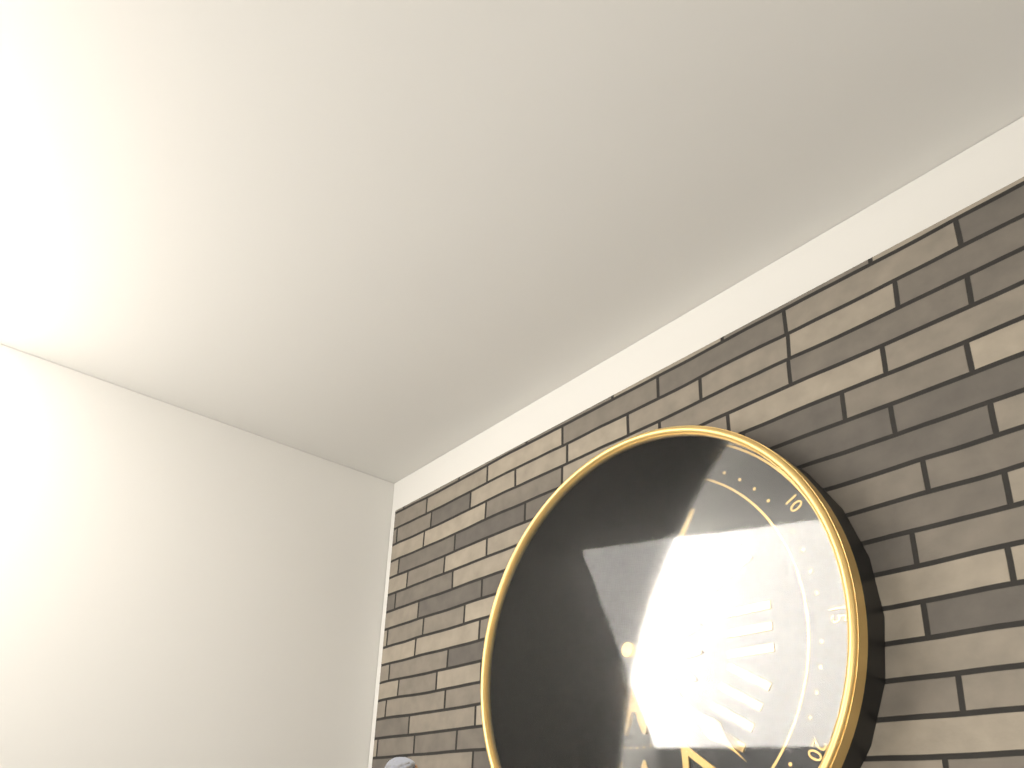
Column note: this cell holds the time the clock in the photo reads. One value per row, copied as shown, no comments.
7:22
